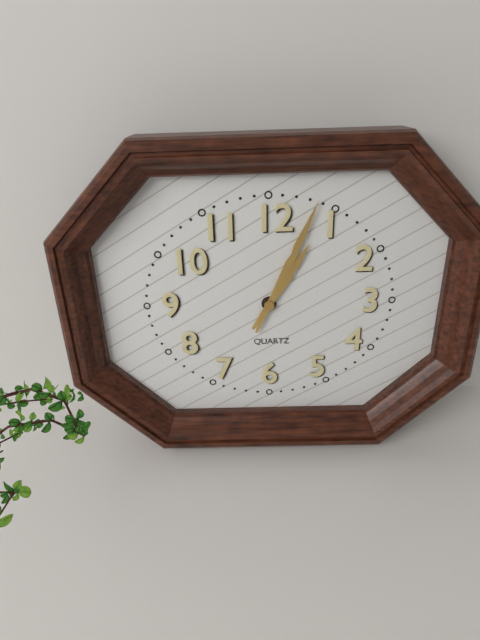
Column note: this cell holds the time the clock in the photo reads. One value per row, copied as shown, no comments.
1:04
